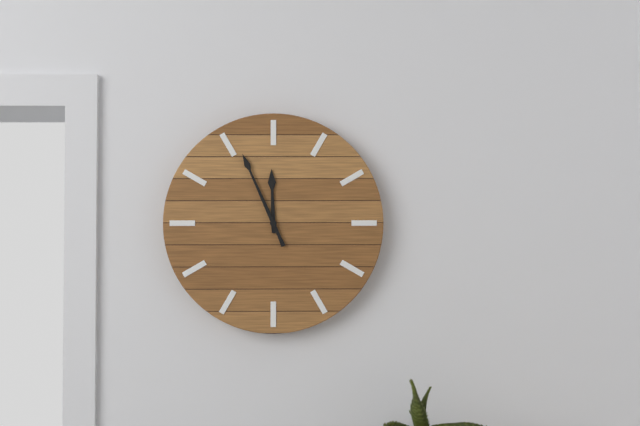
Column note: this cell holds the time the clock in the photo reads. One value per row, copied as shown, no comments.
11:56
